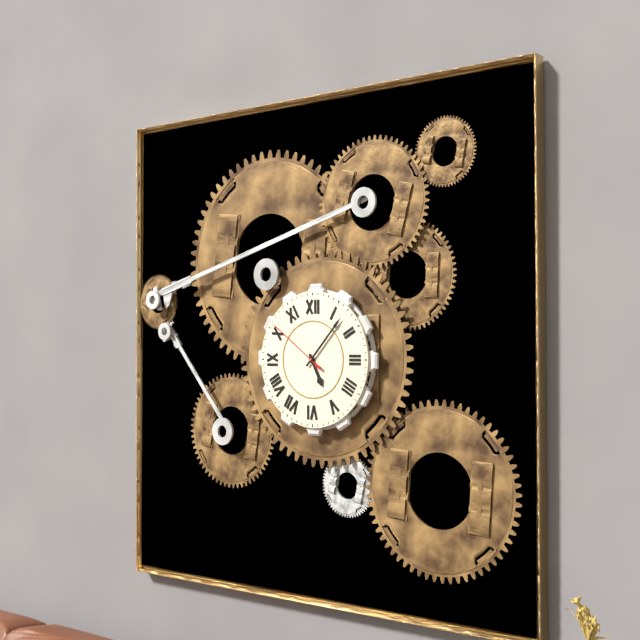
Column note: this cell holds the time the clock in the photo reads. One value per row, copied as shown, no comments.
5:07:51
